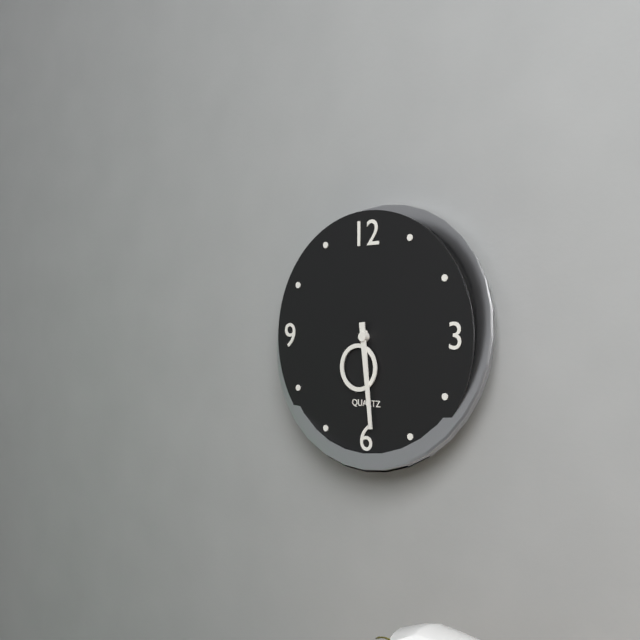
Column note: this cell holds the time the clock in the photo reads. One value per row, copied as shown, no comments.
6:29
